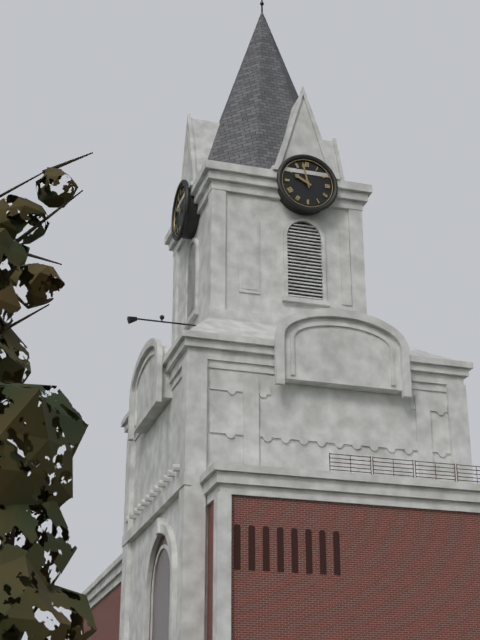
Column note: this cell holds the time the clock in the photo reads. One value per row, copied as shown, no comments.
9:58
